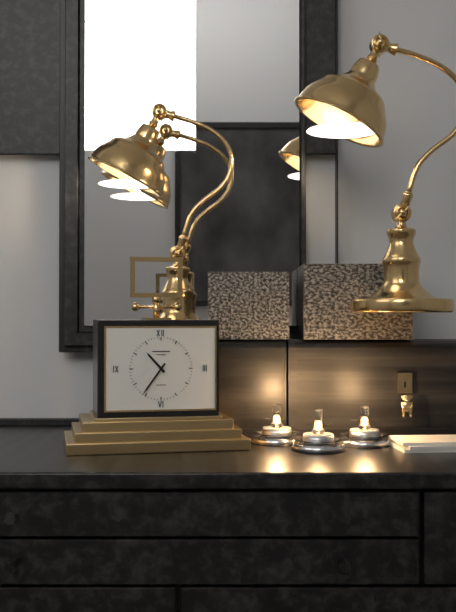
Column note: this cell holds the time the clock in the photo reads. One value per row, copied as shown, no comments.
10:36
